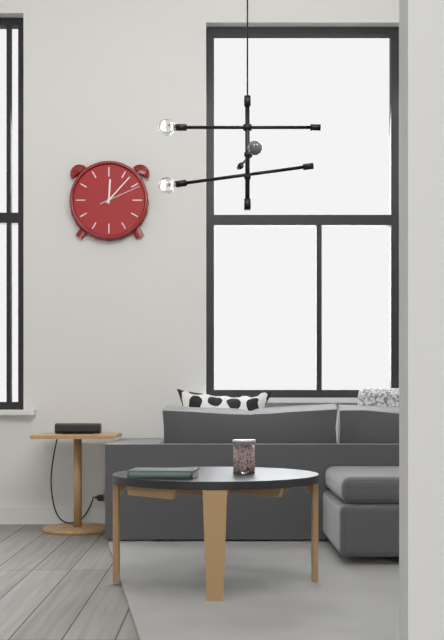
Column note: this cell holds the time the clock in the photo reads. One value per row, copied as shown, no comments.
12:07
